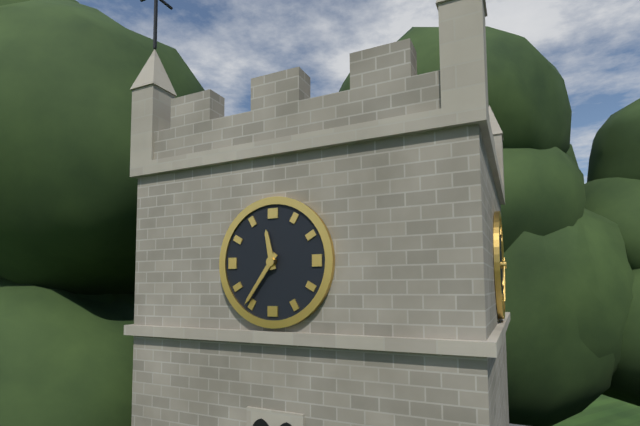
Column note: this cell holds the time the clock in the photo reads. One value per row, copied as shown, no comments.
11:36
